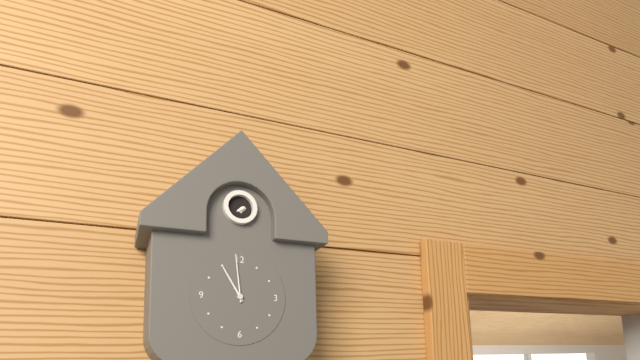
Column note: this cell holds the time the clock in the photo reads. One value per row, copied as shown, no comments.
10:59
